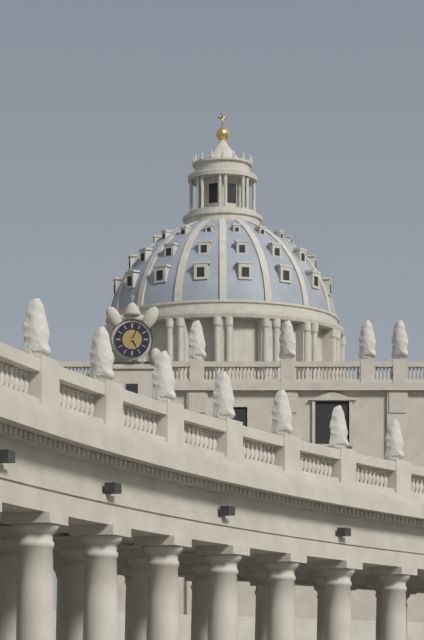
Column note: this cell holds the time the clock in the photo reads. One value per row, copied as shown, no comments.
5:04
